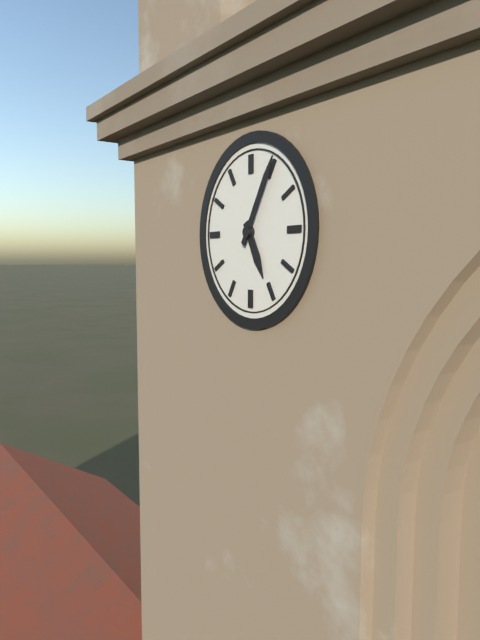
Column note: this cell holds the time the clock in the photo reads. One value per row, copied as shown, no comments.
5:05
